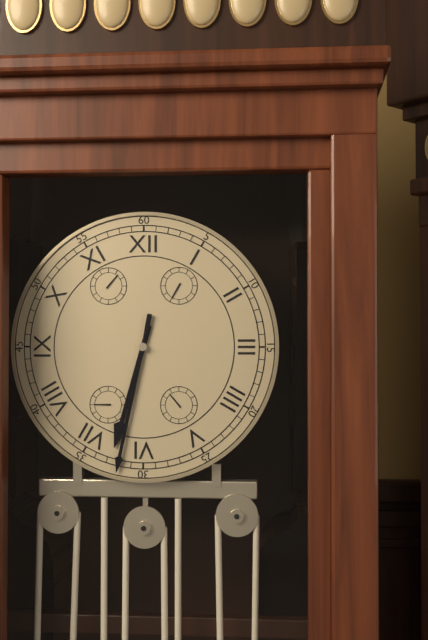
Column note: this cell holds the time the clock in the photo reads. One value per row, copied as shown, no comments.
6:32
